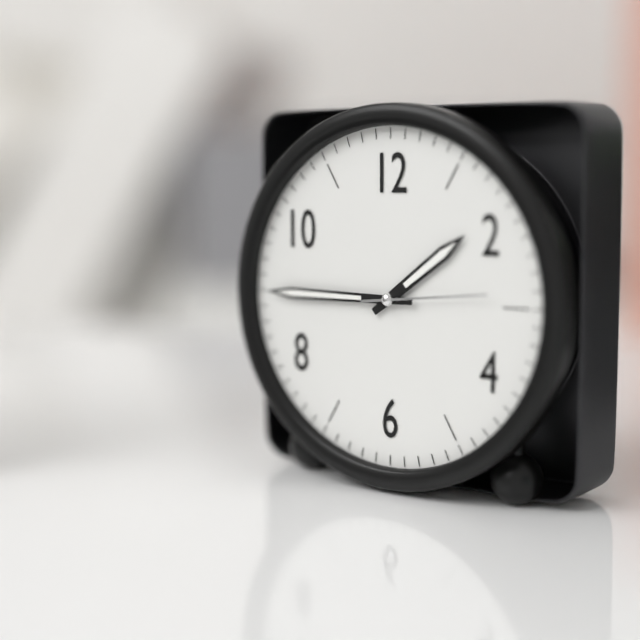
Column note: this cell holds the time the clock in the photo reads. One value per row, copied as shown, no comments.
1:45:14
